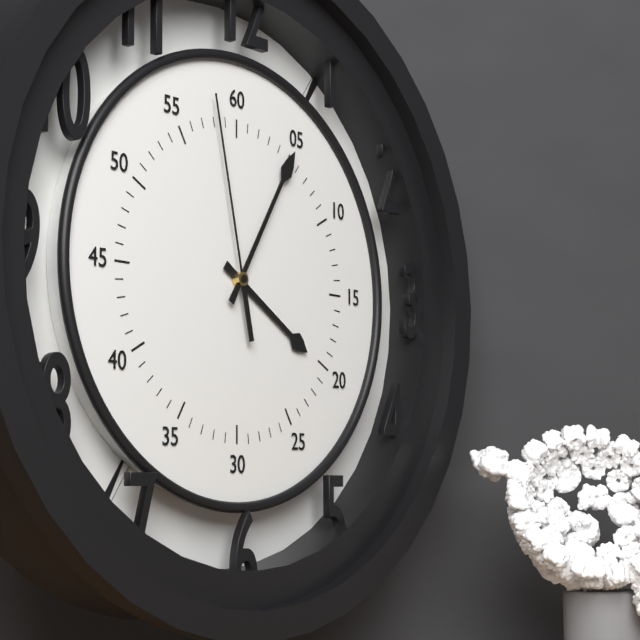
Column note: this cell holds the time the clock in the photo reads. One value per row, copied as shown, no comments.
4:05:58
